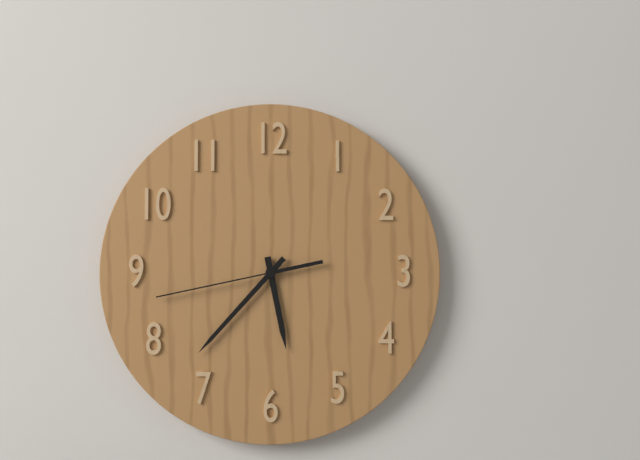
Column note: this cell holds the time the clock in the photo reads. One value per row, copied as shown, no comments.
5:37:43
